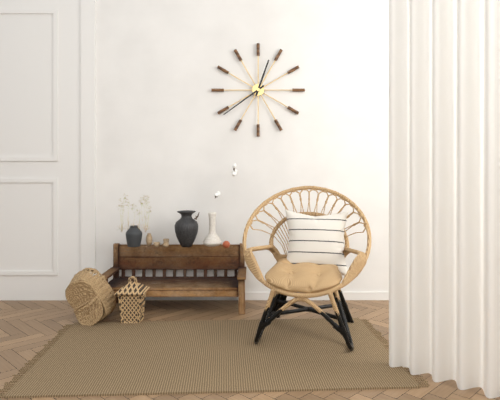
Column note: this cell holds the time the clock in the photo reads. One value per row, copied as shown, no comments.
12:39
